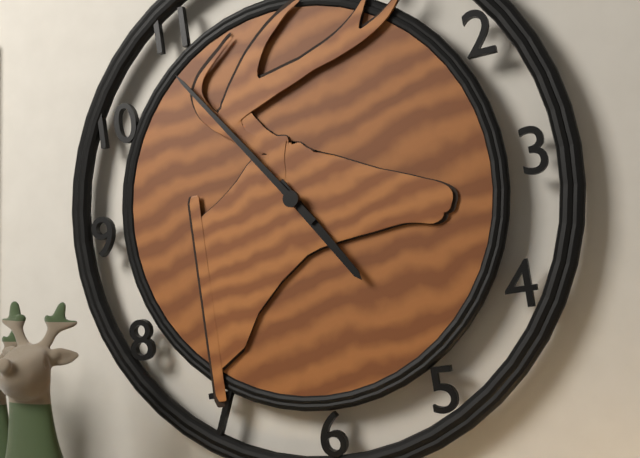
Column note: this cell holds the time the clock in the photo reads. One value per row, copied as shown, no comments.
4:54
